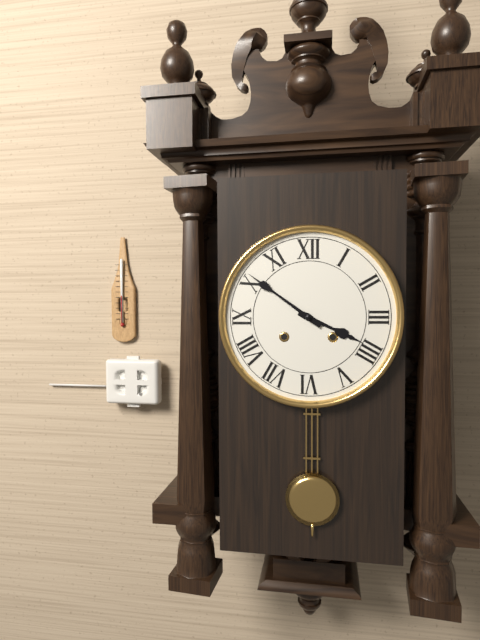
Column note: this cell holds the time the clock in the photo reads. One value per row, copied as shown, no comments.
3:51
